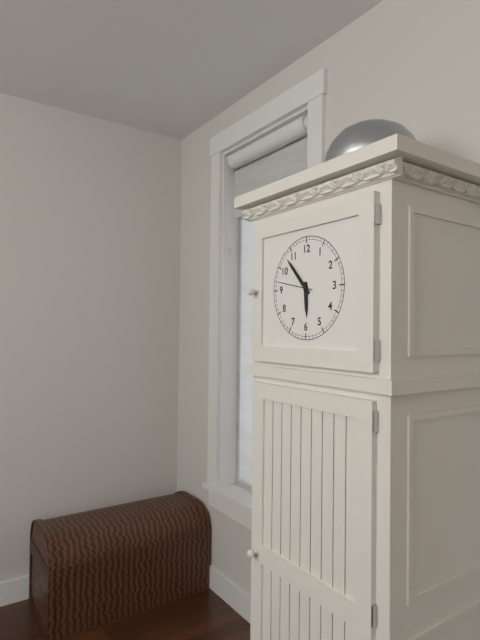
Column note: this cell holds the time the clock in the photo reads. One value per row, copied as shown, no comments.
5:53
